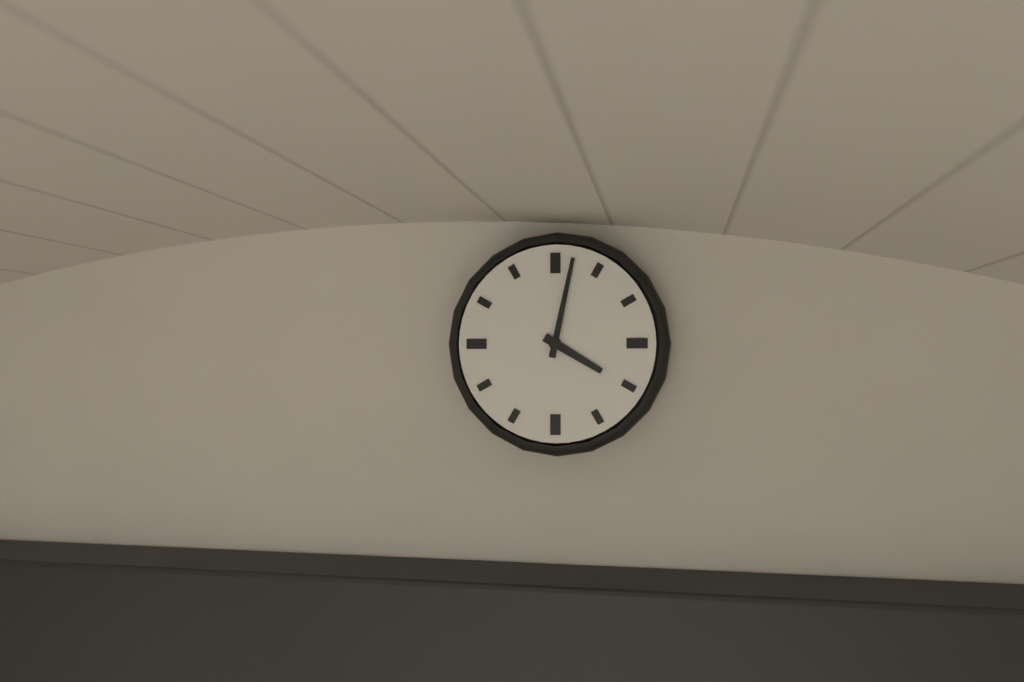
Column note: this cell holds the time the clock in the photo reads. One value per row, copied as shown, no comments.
4:02
